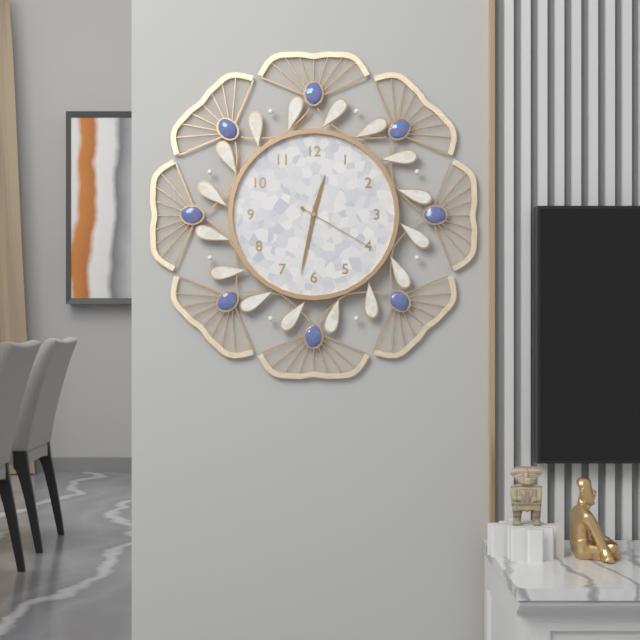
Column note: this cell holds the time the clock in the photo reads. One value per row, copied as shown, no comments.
12:32:20
